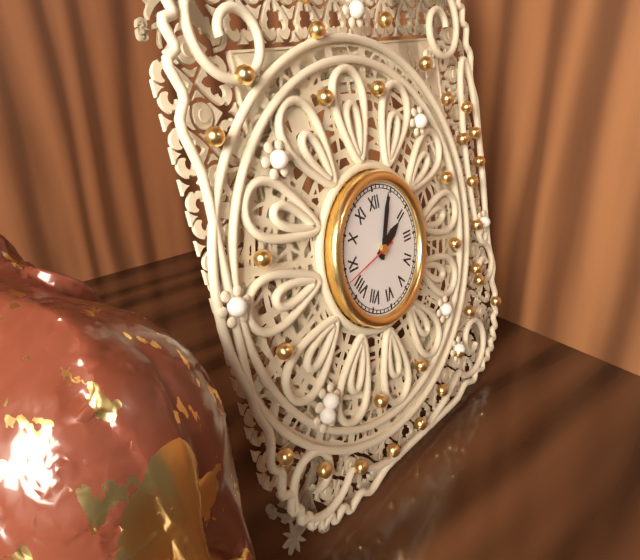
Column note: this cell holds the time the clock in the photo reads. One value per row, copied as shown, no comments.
2:04
